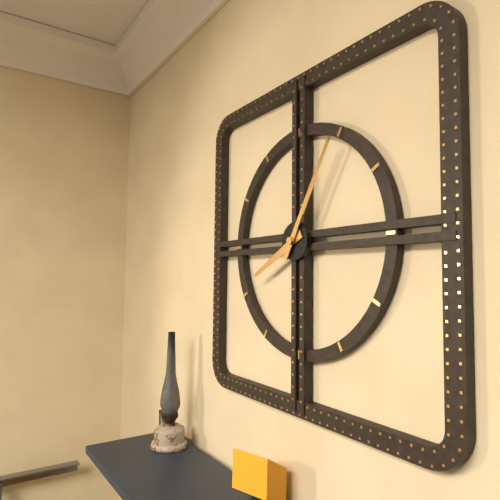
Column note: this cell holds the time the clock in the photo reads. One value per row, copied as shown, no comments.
8:05
